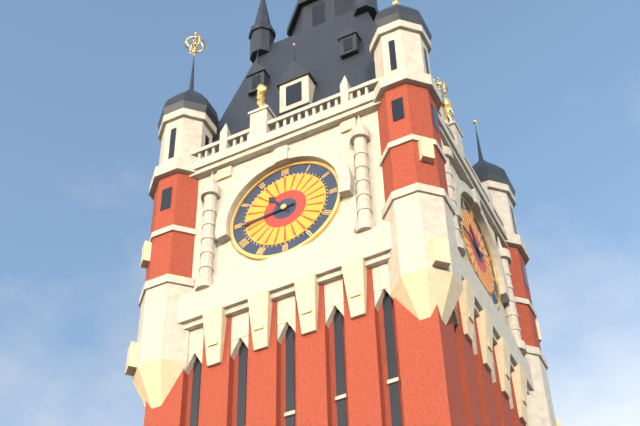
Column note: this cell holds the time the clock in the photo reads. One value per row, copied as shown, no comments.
10:44
